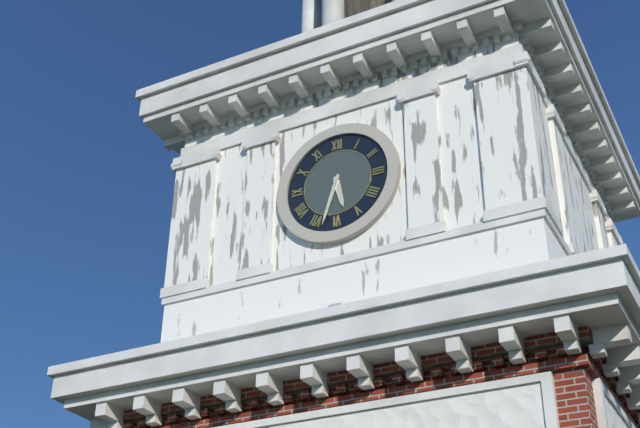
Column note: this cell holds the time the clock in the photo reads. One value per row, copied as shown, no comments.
5:33
